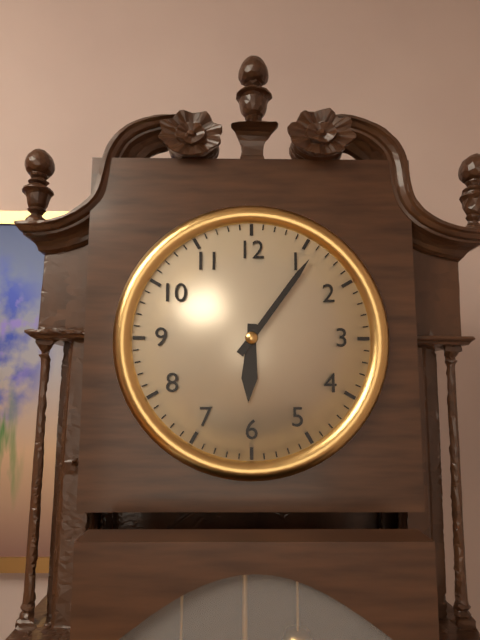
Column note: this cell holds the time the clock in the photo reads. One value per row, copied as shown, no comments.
6:06
